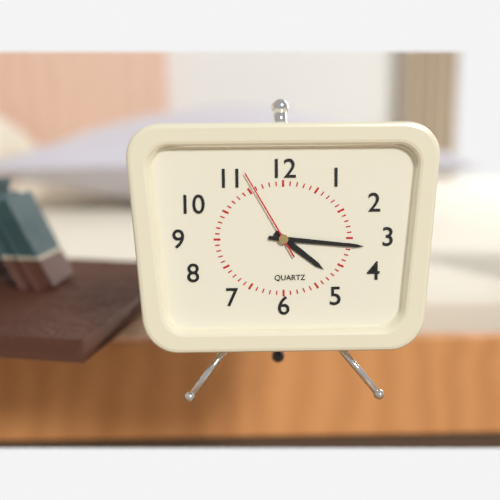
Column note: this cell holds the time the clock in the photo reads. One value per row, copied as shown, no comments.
4:16:55
